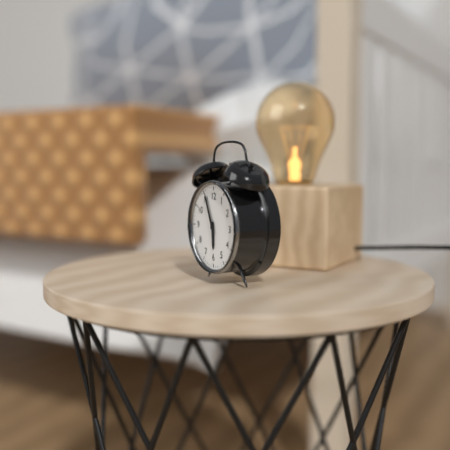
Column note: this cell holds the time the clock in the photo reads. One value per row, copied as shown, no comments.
5:56
